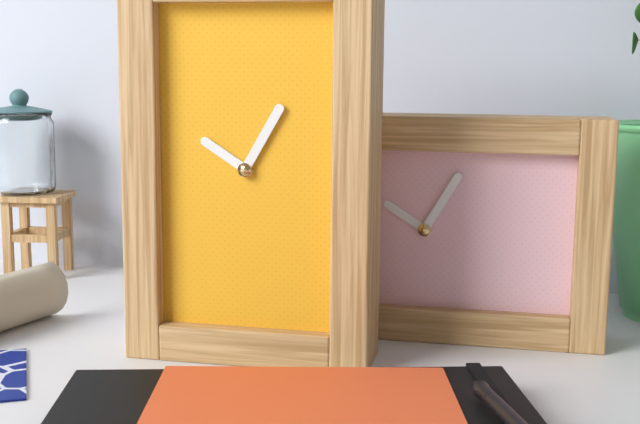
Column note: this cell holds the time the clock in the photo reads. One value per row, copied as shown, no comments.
10:05
